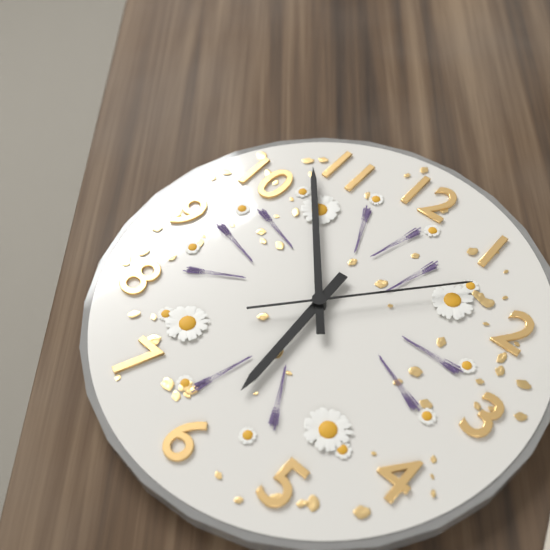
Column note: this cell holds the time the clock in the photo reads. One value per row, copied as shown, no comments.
5:53:07
